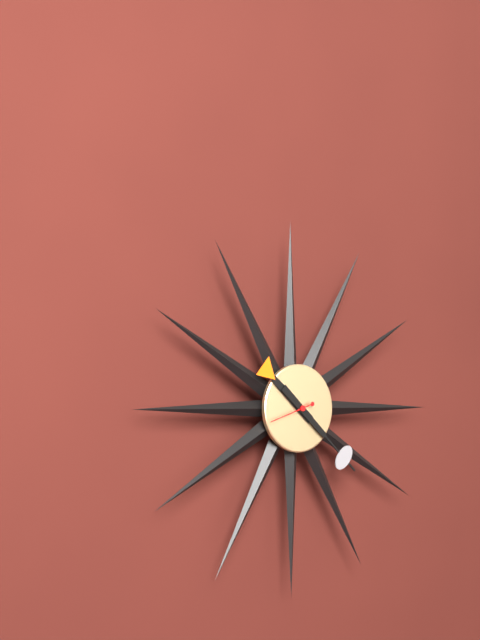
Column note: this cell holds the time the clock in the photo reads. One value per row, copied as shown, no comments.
10:22
